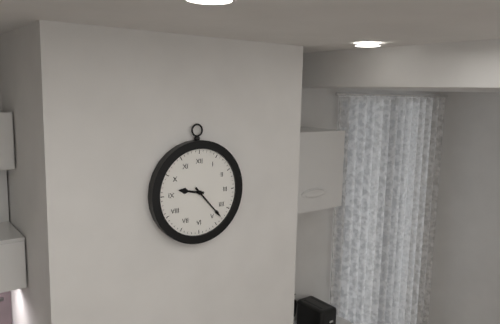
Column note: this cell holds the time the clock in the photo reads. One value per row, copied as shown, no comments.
9:23
